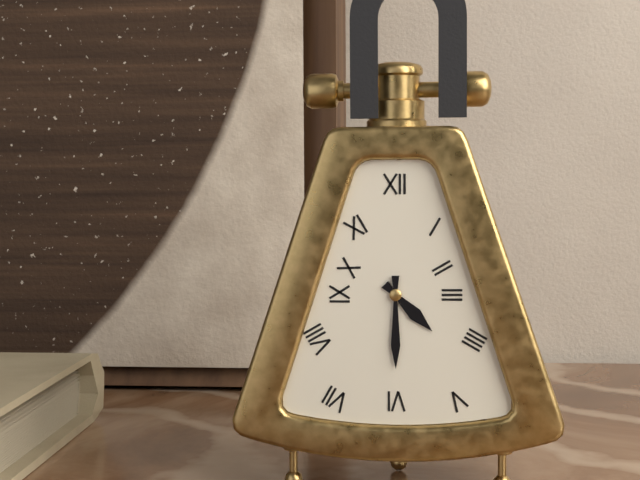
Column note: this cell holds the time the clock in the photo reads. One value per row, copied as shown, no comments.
4:30
